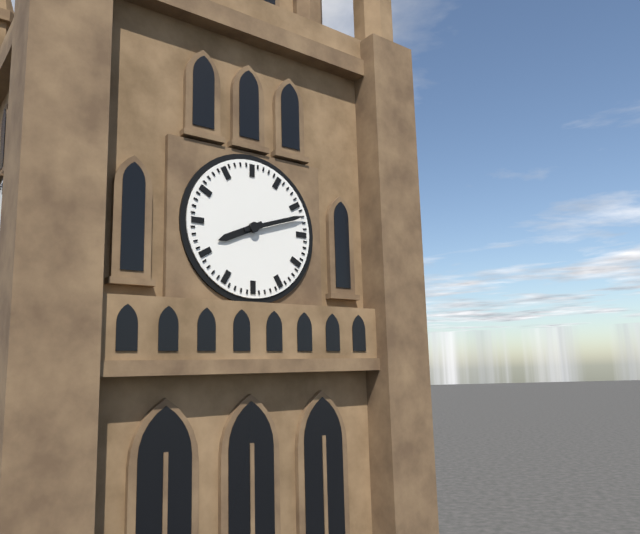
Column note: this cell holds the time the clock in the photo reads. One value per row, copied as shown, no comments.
8:12
